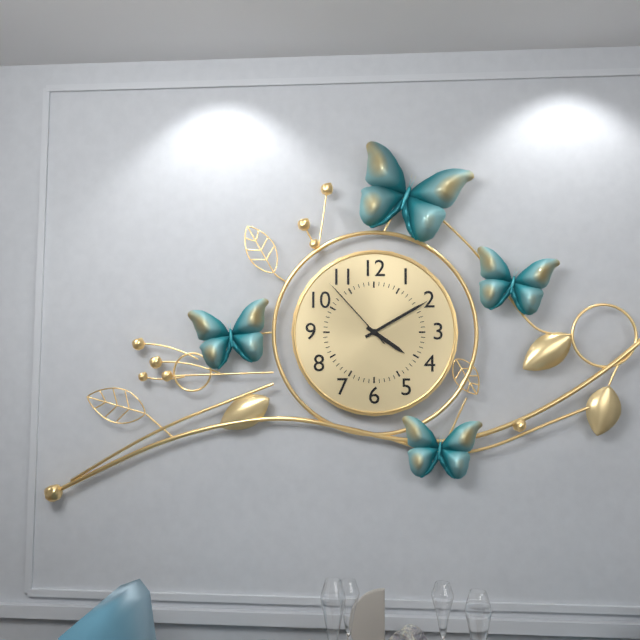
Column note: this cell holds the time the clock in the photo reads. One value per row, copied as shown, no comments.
4:10:53
